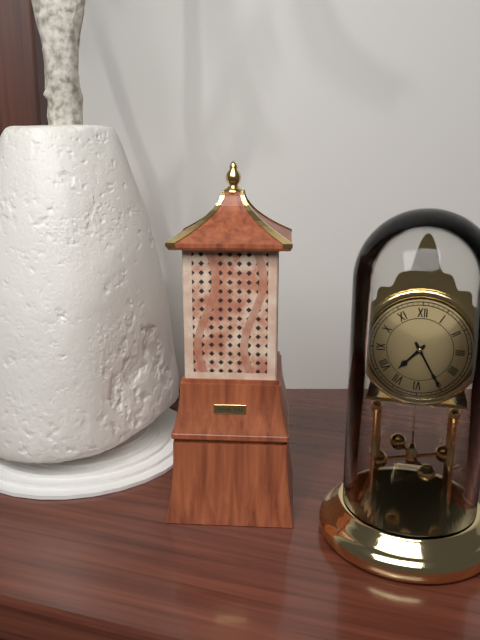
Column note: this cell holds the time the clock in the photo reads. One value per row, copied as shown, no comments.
7:25
